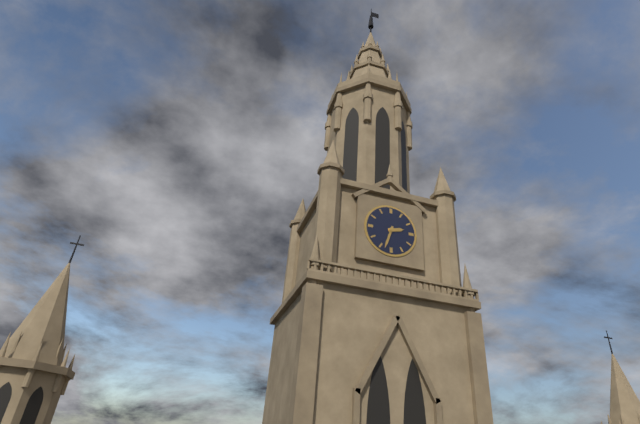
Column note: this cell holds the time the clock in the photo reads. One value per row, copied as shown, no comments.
2:33
